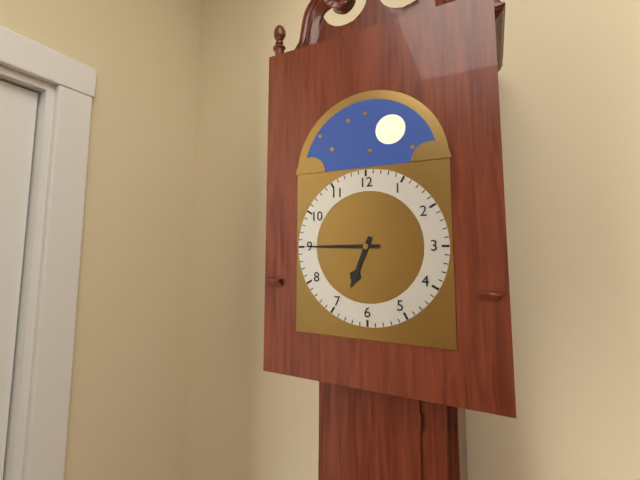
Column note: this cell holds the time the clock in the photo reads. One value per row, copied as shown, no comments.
6:45
